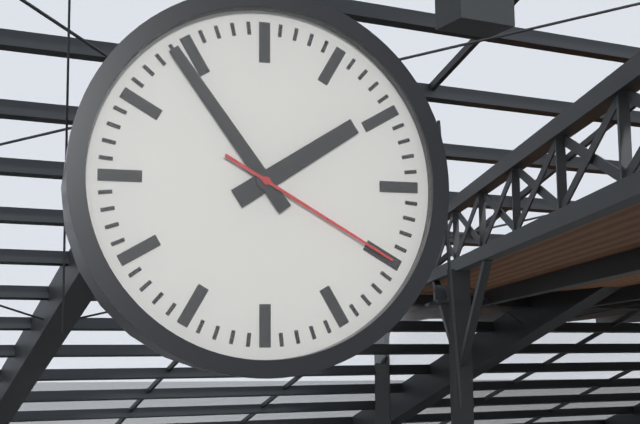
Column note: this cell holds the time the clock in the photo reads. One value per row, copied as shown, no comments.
1:54:20
